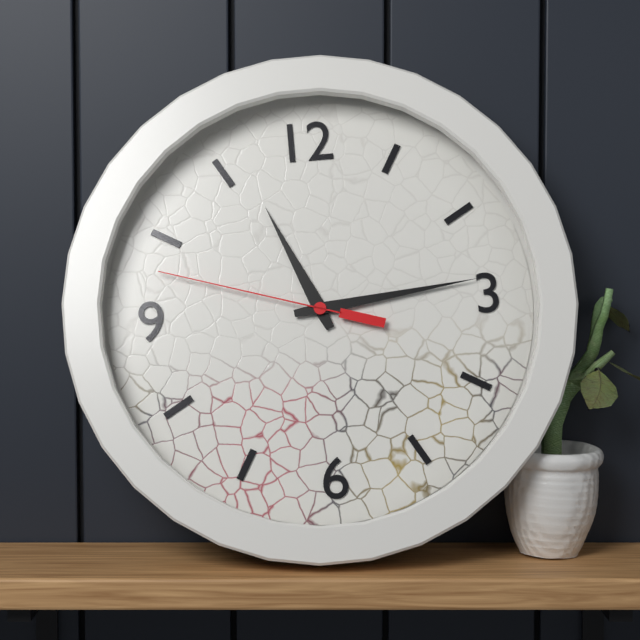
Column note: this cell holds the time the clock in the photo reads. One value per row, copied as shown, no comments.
11:14:48
